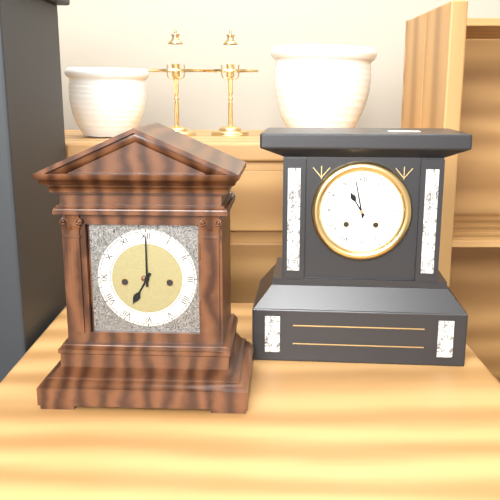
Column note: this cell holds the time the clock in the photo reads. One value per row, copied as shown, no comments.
7:00
